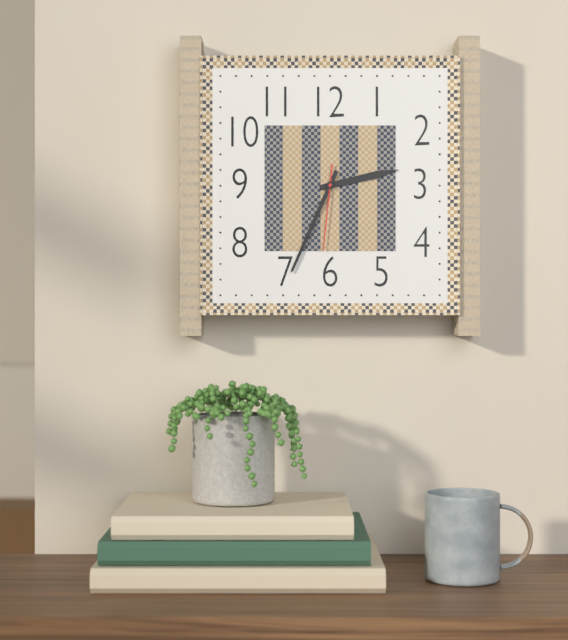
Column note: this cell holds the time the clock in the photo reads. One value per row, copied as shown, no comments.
2:34:31
